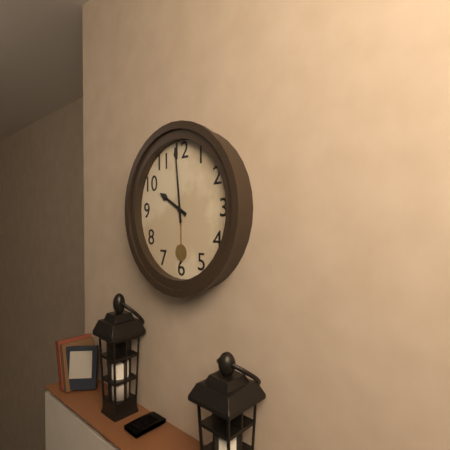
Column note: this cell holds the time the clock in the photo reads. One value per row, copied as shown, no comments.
9:59
